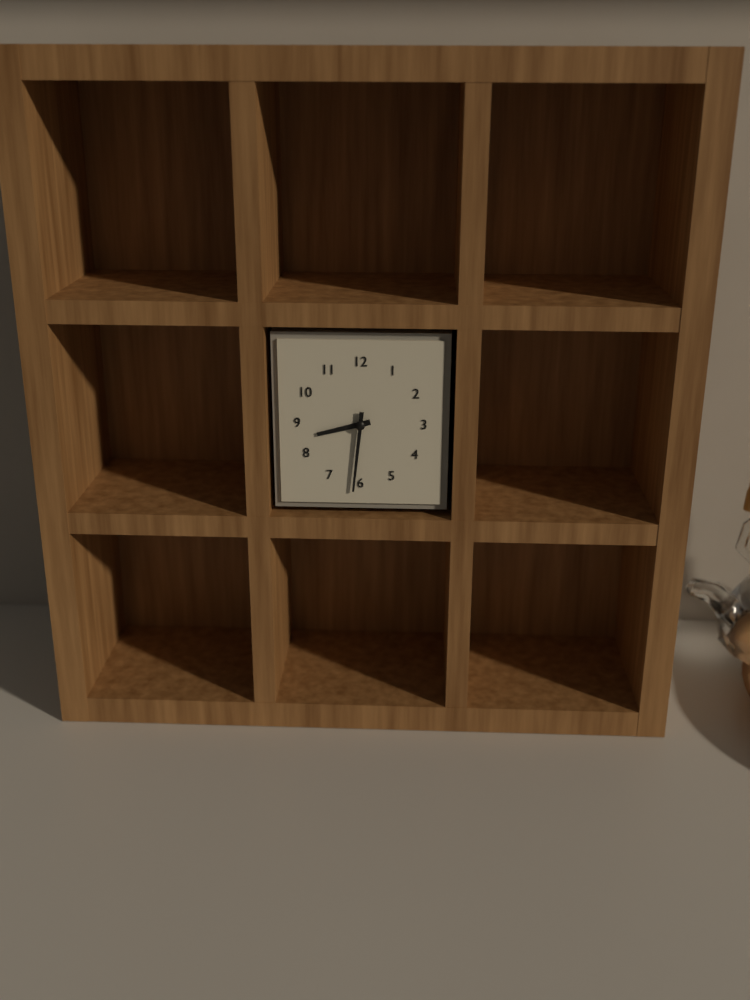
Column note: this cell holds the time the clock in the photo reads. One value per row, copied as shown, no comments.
8:31
